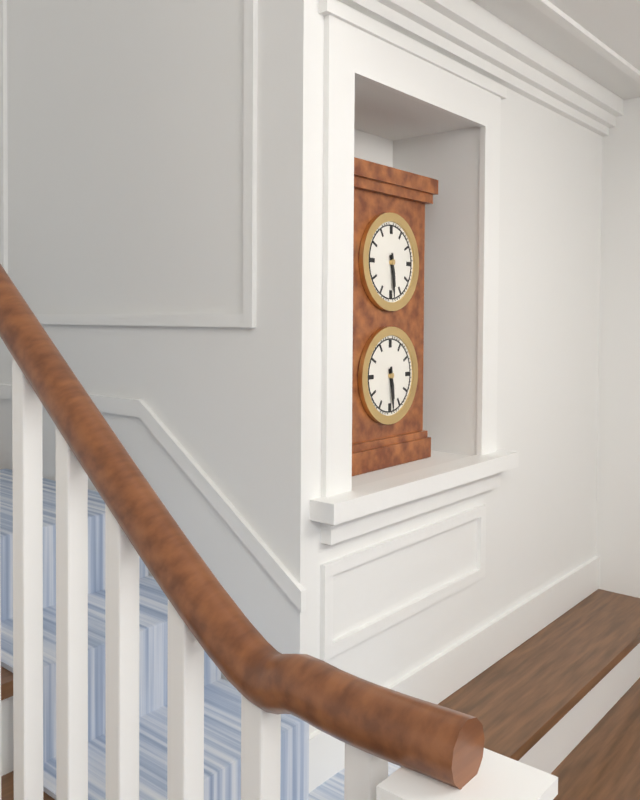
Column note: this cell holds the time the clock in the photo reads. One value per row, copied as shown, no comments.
5:29
